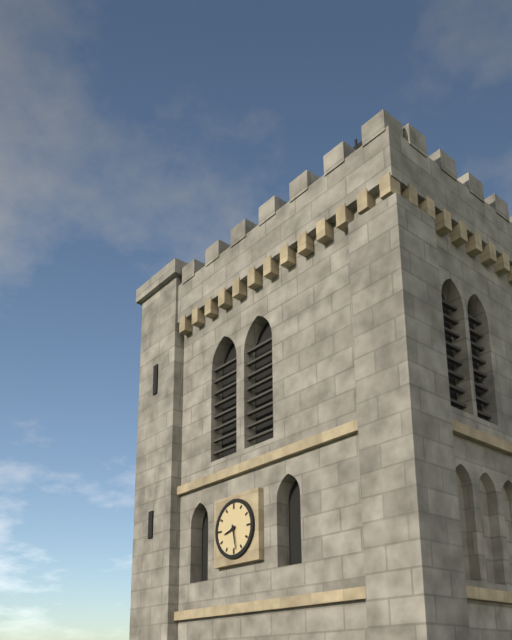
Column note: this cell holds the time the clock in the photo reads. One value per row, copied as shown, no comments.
8:28
